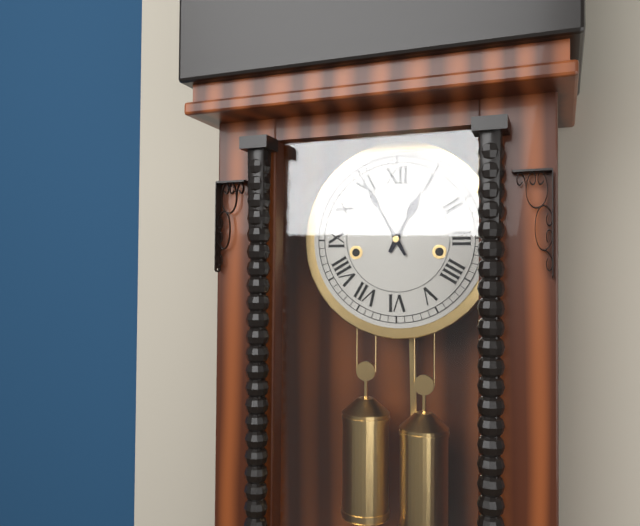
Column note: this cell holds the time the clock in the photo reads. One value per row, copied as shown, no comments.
12:55
